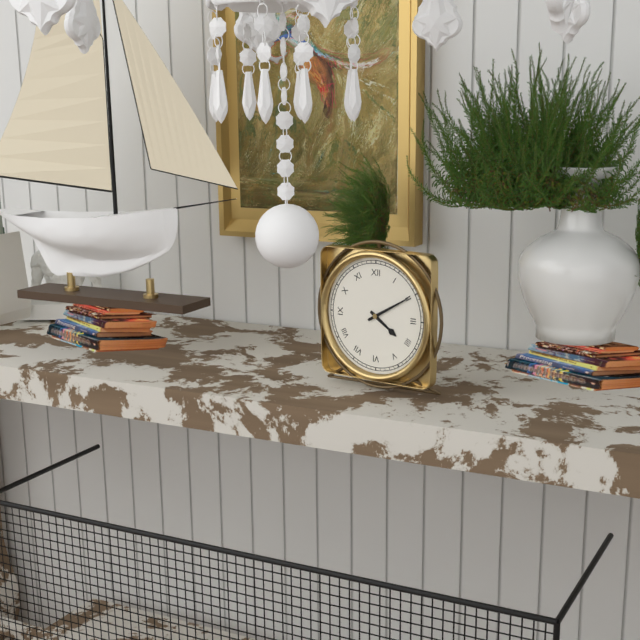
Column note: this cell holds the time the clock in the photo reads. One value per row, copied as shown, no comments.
4:10
